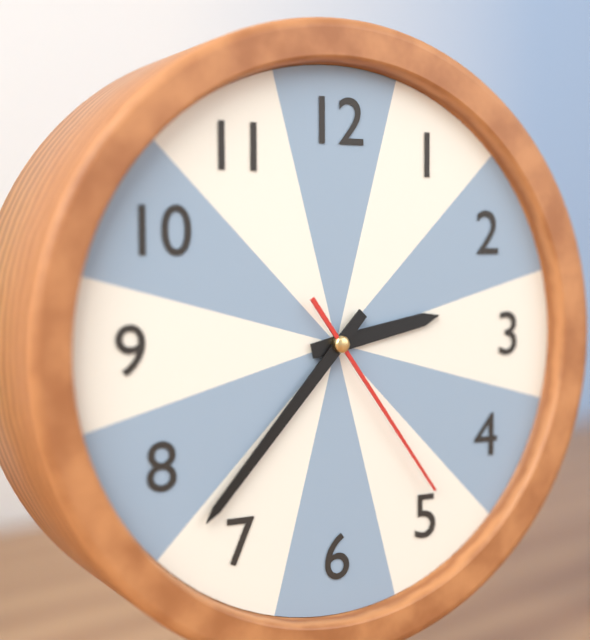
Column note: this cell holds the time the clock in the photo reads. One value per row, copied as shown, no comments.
2:37:24
